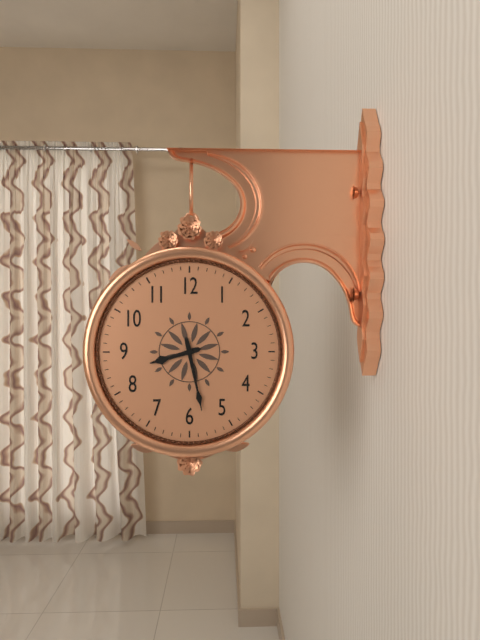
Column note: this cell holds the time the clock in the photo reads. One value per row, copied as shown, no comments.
8:28
